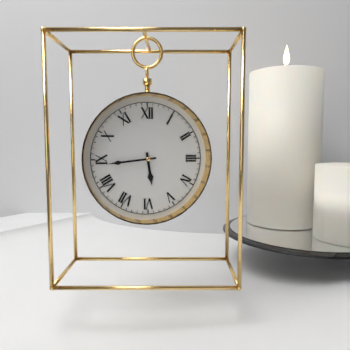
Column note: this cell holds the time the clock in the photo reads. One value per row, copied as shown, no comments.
5:44
